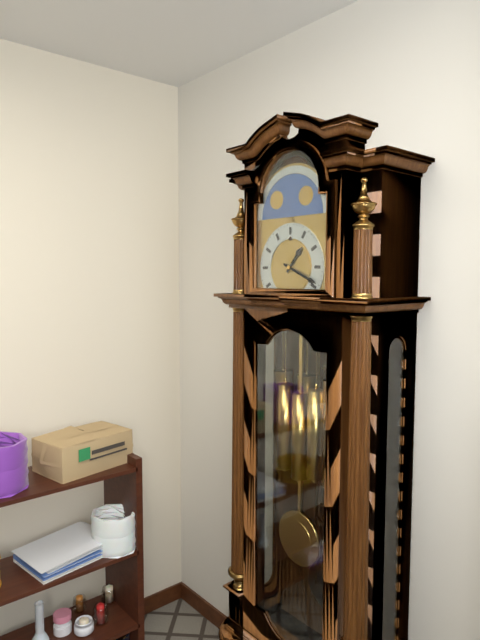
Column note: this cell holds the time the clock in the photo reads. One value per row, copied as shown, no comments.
1:19
